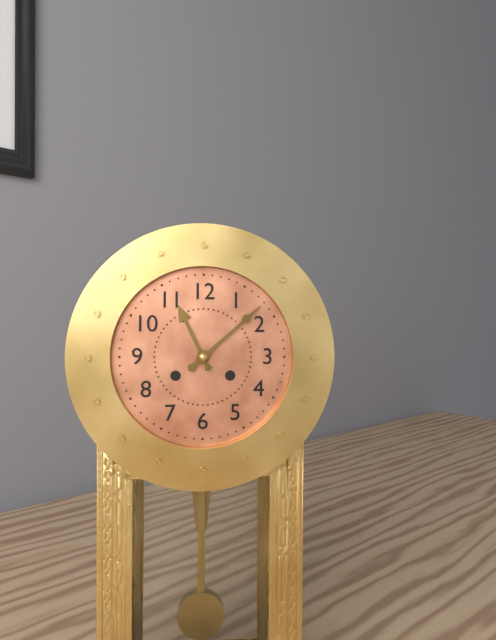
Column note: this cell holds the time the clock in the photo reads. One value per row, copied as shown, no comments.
11:08
